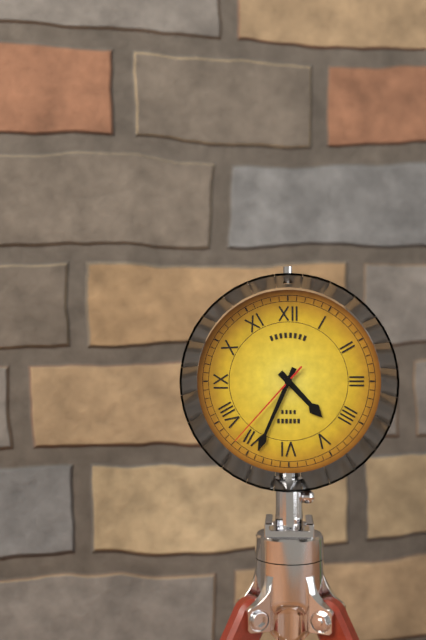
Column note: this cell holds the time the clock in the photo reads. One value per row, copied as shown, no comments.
4:34:37
